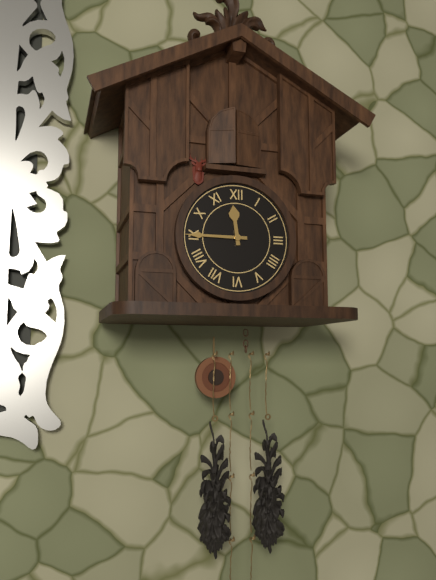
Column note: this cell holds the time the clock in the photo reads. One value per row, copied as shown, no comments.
11:45
